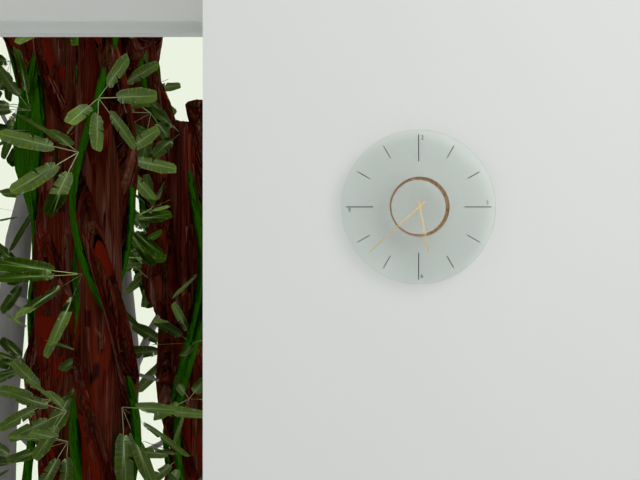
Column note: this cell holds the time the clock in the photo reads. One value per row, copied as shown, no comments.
5:38
